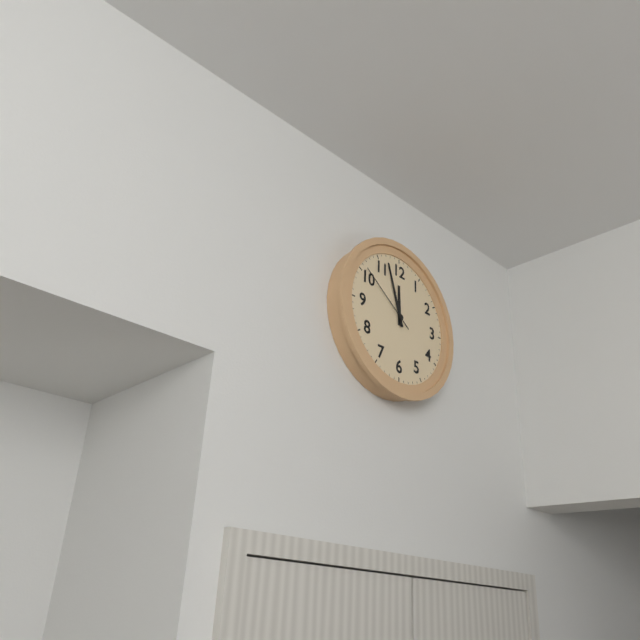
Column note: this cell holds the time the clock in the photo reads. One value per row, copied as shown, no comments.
11:57:51
